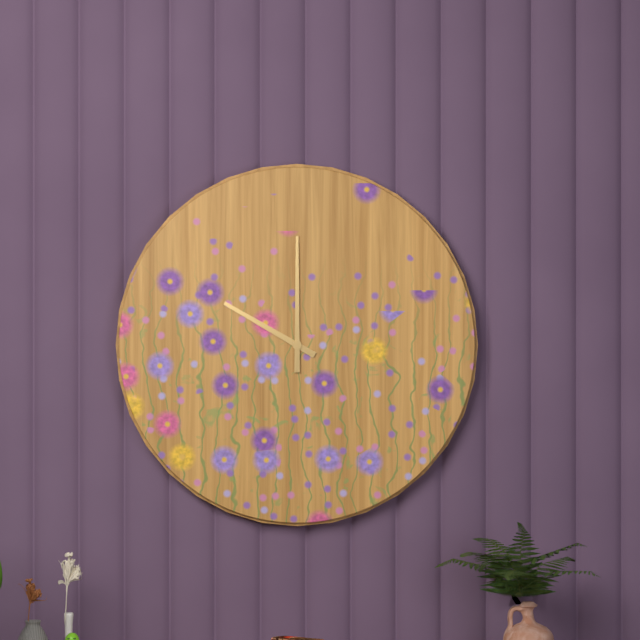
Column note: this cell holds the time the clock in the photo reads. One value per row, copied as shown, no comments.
10:00
